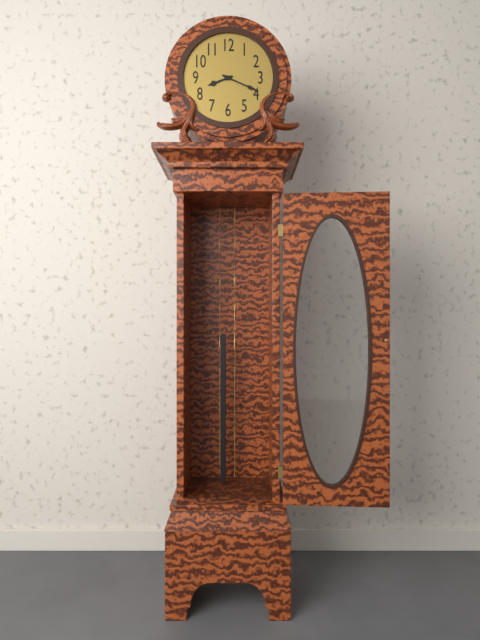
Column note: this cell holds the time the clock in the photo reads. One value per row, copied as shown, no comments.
8:19
